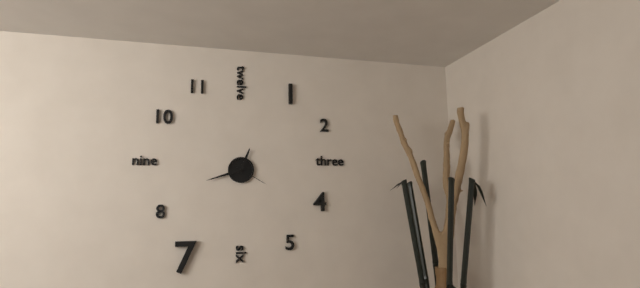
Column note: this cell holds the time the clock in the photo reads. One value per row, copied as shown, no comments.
12:42
